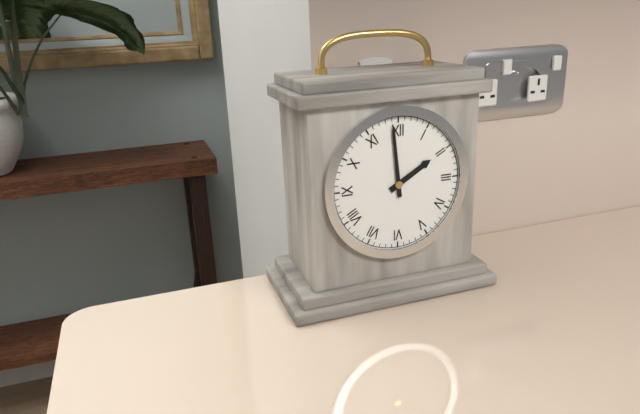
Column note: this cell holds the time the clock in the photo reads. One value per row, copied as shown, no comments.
1:59
